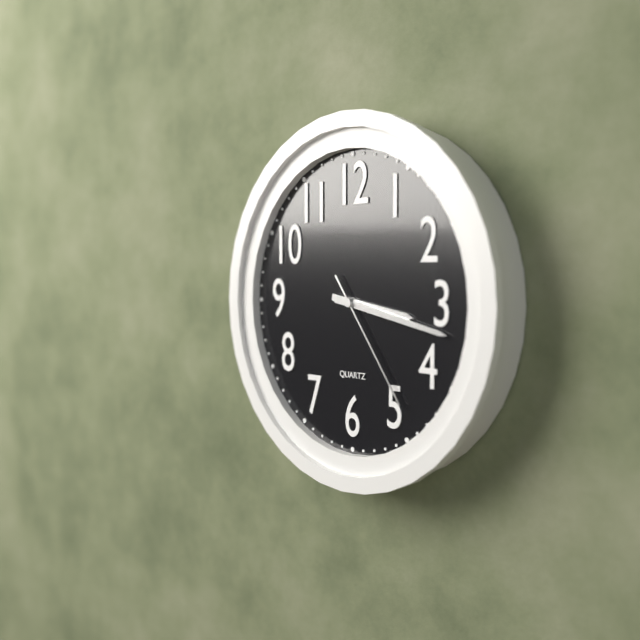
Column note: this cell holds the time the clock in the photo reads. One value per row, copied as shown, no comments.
3:17:24
